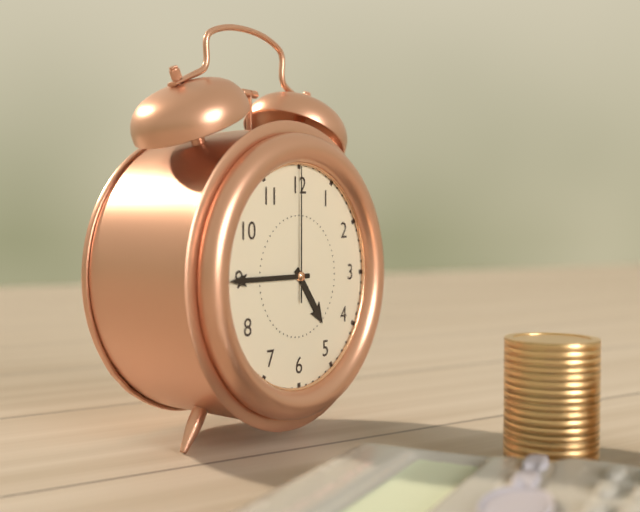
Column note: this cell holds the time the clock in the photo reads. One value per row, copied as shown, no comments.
4:45:00
